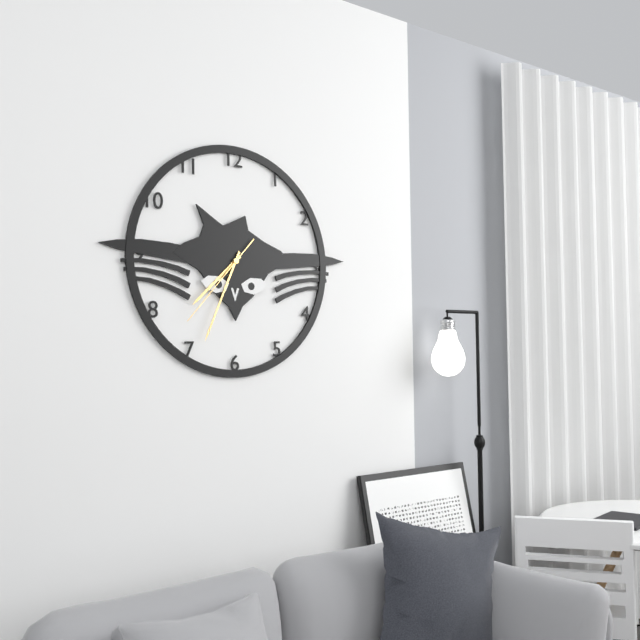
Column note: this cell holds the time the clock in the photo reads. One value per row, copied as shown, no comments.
7:34:37
